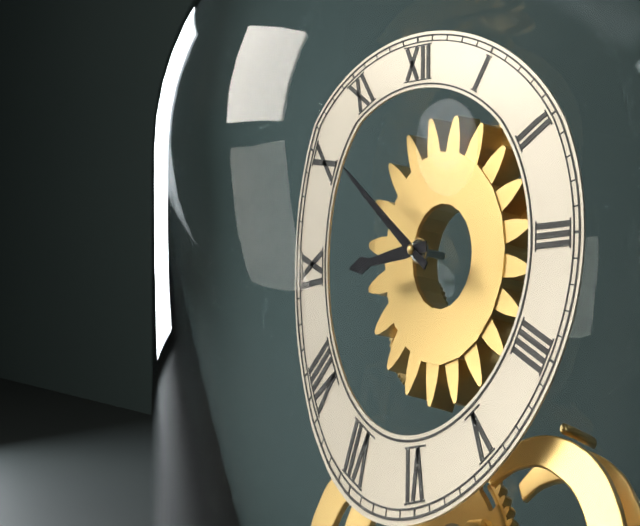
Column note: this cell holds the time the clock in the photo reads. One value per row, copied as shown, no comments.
8:51
